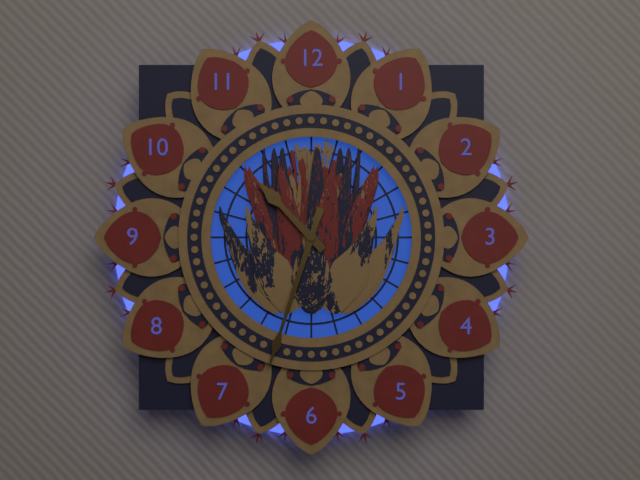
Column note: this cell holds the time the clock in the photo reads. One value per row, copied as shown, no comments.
10:33
